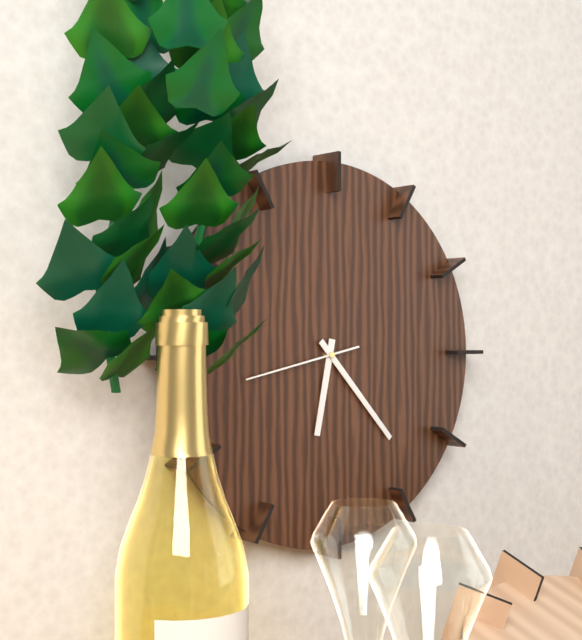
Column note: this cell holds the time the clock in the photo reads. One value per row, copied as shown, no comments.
6:23:43
